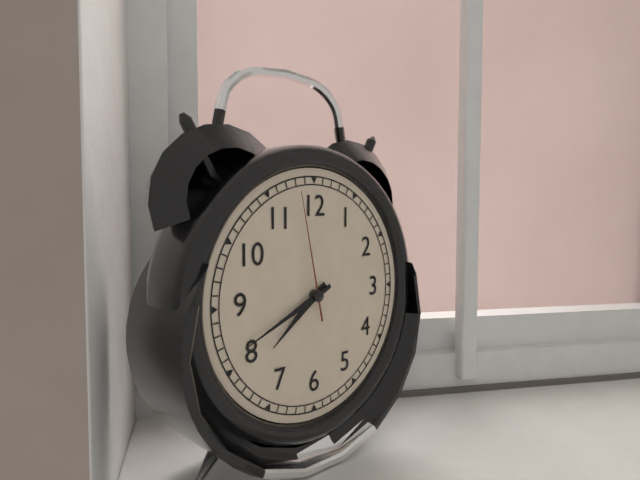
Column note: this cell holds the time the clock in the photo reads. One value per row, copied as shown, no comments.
7:41:58
